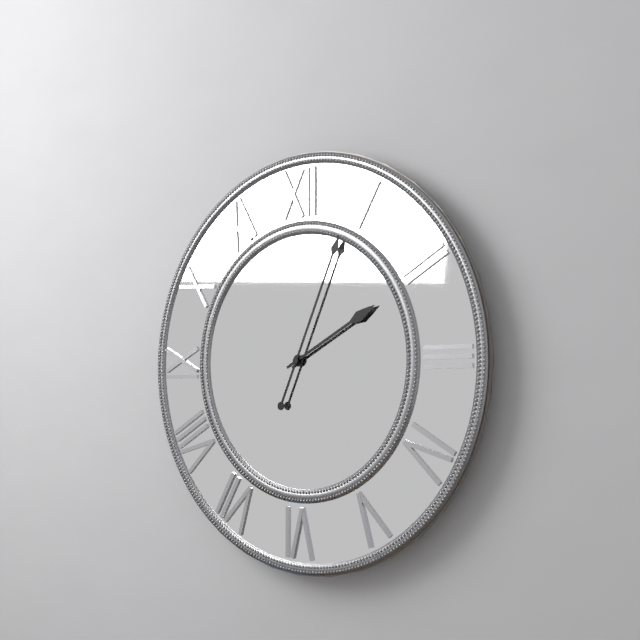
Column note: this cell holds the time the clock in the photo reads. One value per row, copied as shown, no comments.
2:04
